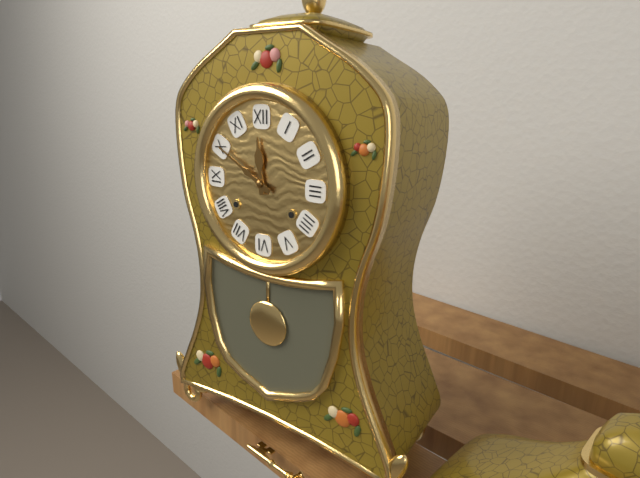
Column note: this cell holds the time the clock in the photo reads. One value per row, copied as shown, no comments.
11:50
